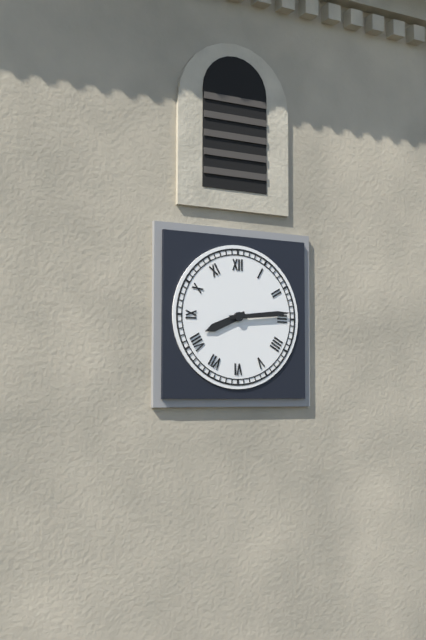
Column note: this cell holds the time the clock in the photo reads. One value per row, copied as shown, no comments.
8:14
